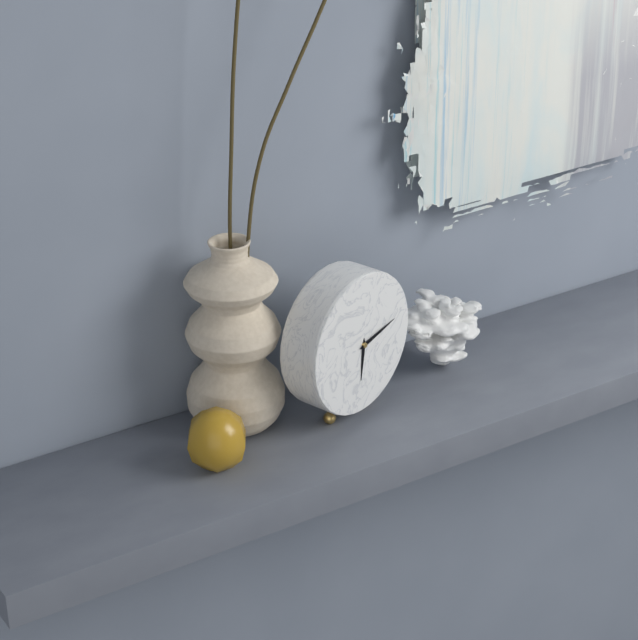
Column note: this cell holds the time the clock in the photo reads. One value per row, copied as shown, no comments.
6:13
